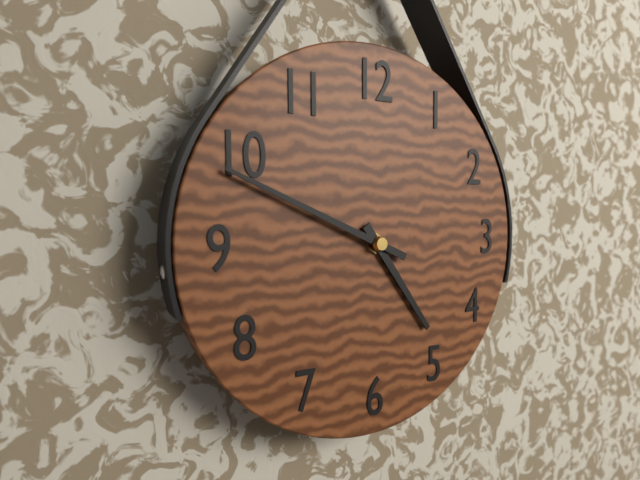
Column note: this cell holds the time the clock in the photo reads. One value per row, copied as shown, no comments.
4:49
